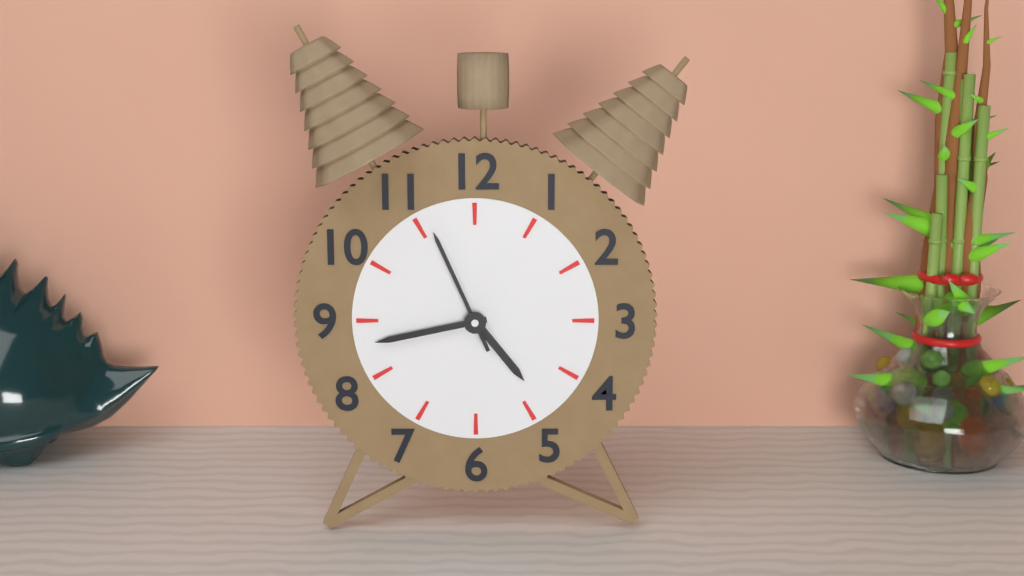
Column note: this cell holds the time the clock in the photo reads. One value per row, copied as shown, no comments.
4:43:56
